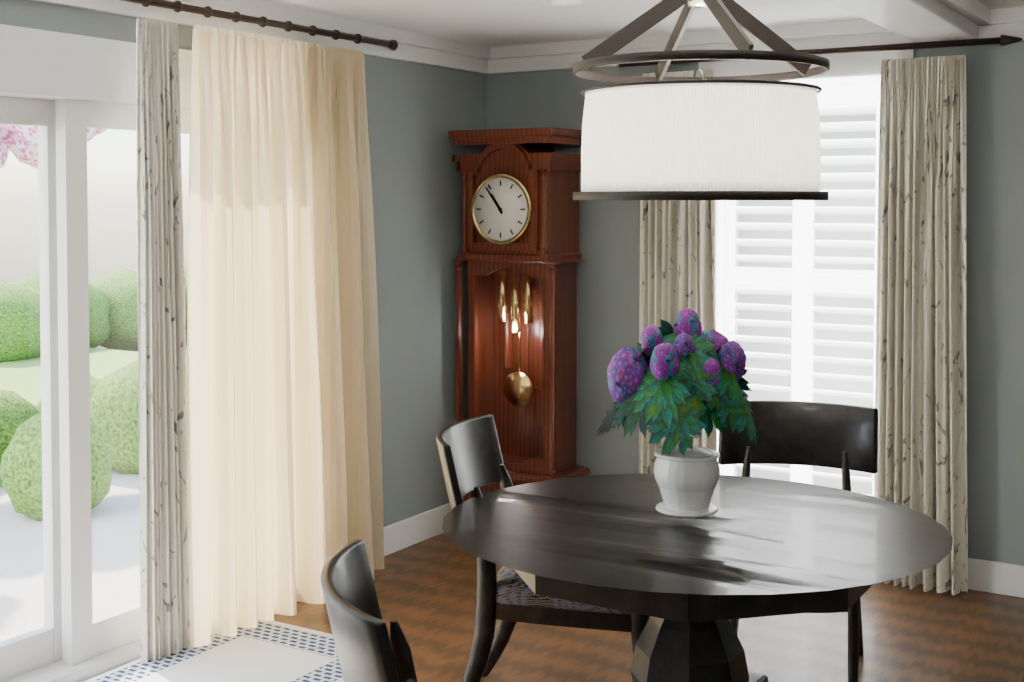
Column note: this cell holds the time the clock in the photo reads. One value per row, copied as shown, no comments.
10:54
